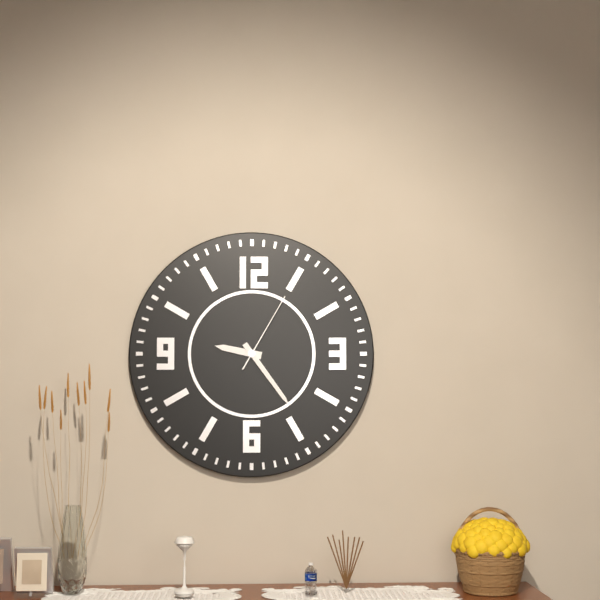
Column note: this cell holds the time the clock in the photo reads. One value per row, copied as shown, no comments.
9:24:05
